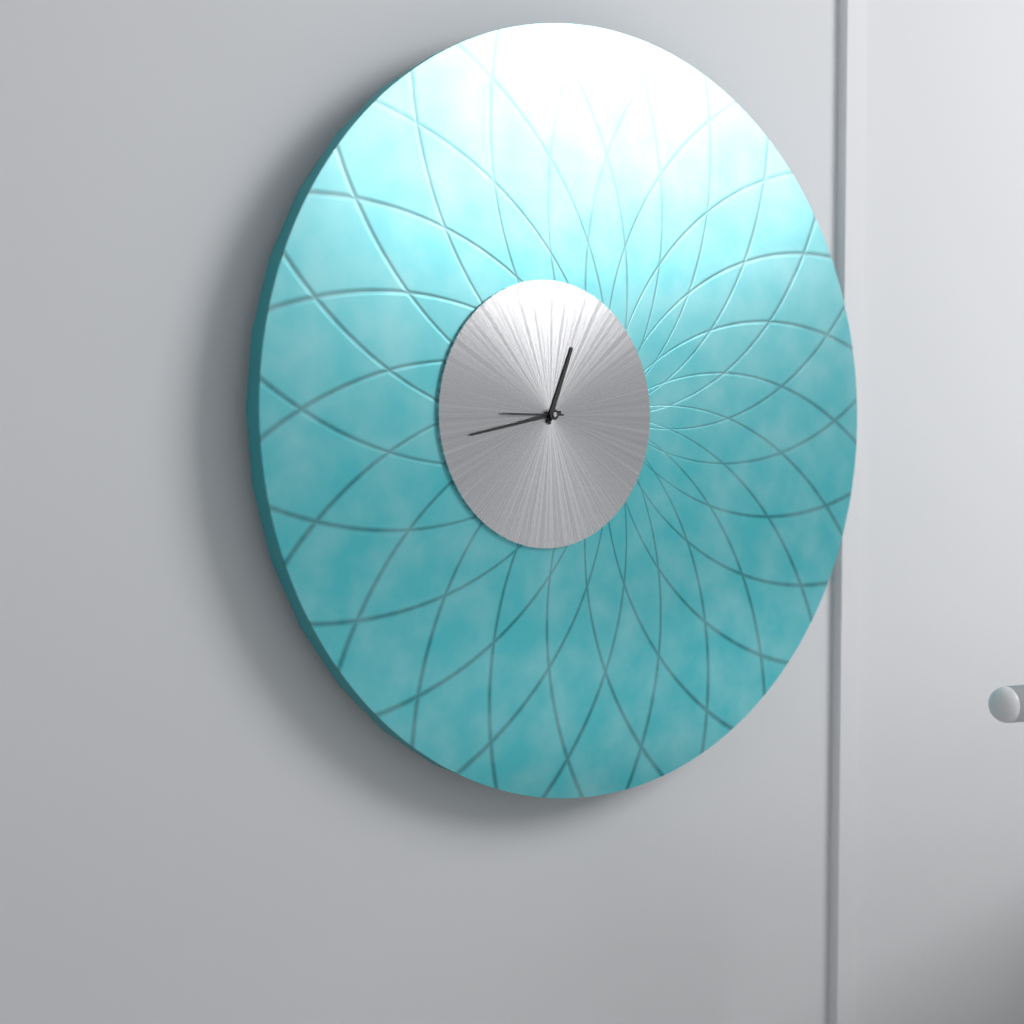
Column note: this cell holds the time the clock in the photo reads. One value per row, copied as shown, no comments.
12:43:45
